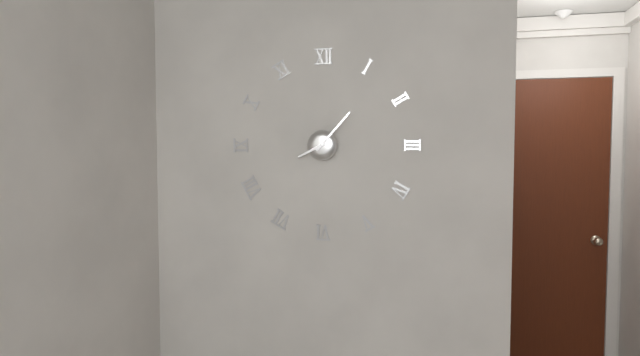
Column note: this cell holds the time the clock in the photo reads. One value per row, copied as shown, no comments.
8:07
